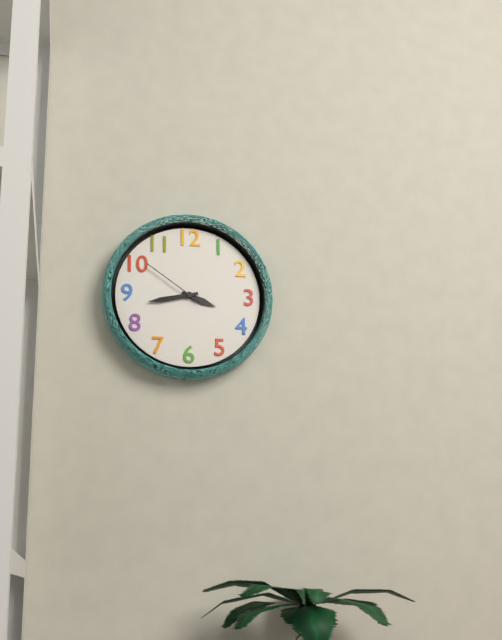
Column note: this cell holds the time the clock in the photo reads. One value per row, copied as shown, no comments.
3:43:51
